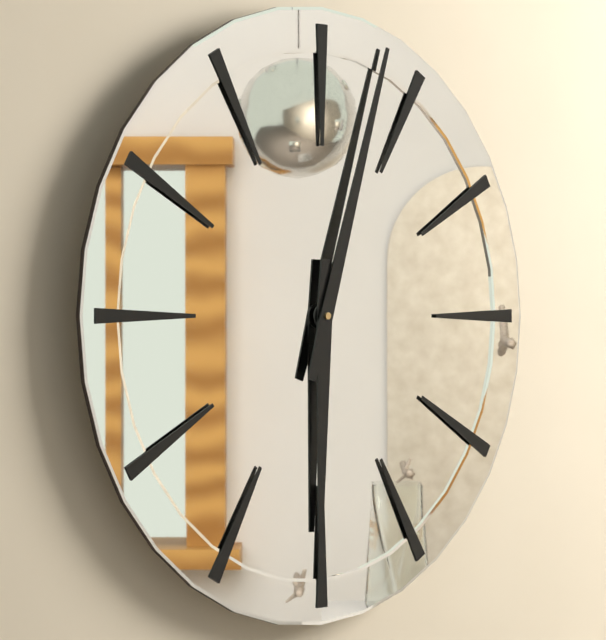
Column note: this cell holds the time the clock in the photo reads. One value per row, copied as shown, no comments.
6:03
